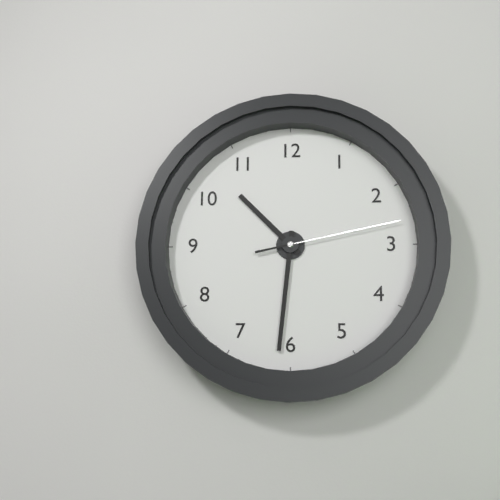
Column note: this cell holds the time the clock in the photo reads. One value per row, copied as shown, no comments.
10:31:13
